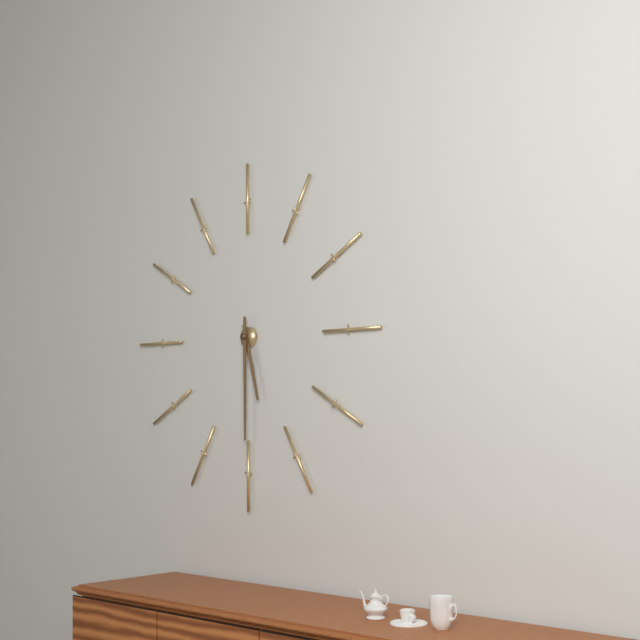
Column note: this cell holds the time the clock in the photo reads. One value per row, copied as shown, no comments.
5:30
